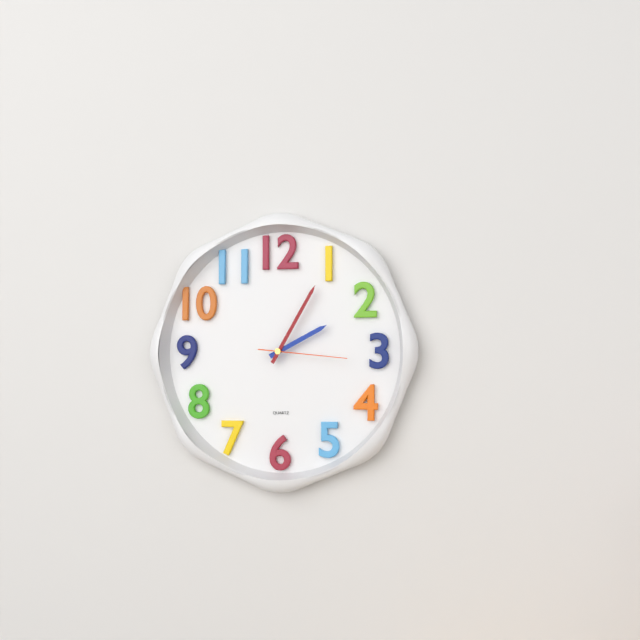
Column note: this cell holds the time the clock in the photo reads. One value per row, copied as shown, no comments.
2:05:16
